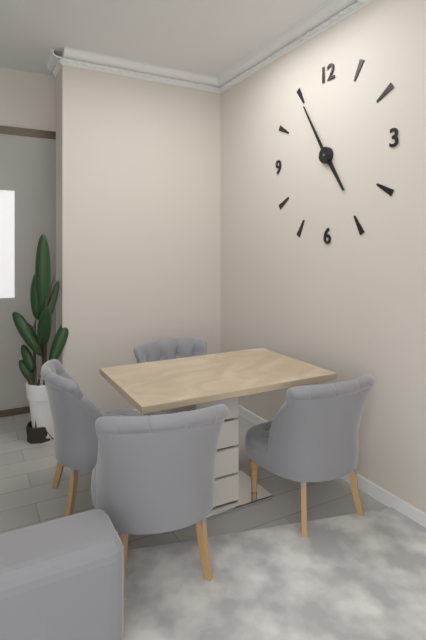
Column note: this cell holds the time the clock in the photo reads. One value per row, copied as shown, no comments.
4:55
